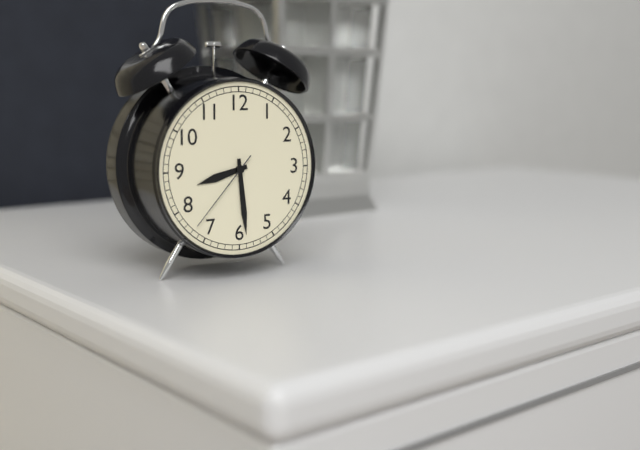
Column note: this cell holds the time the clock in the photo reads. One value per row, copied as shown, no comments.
8:29:37
